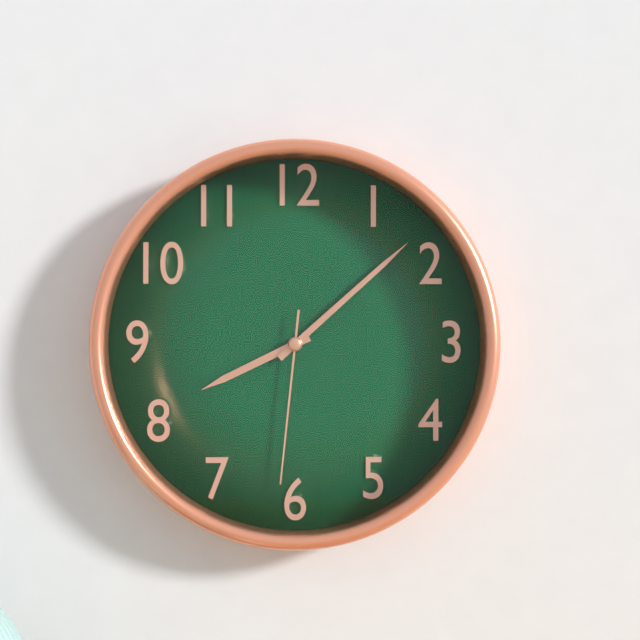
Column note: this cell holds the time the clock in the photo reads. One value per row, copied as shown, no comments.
8:08:31
